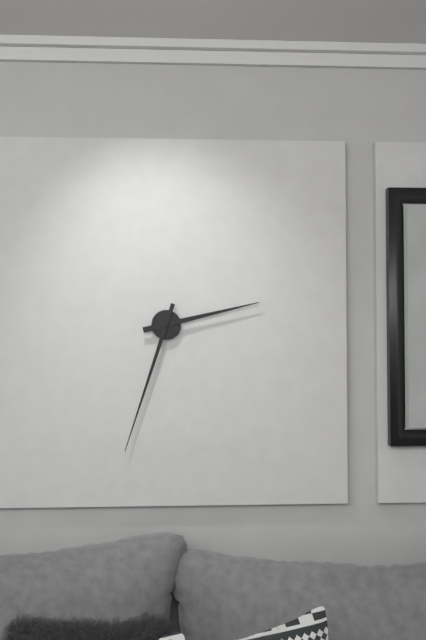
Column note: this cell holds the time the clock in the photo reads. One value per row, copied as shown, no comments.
2:33
